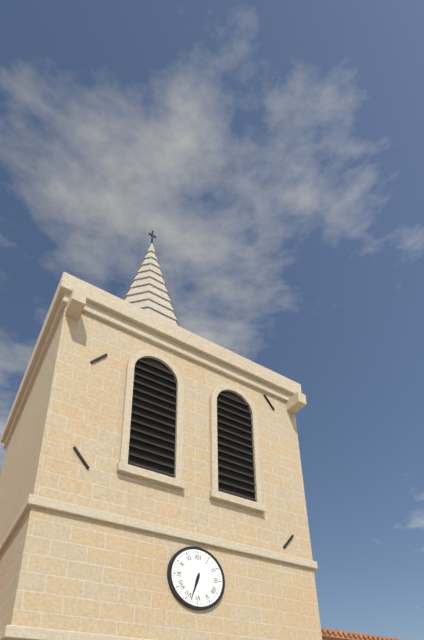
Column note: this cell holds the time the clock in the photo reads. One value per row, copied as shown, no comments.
6:33
